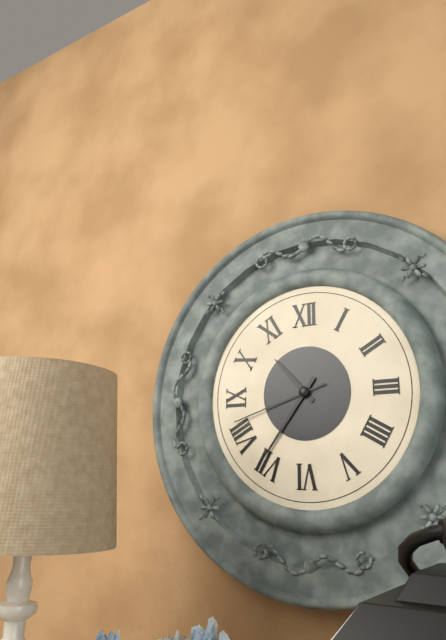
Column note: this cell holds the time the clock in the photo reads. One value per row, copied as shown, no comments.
10:36:42
